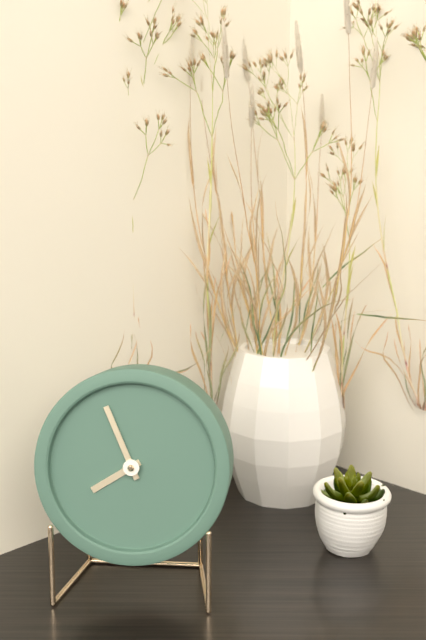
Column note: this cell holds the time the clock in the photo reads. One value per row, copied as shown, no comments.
7:56
